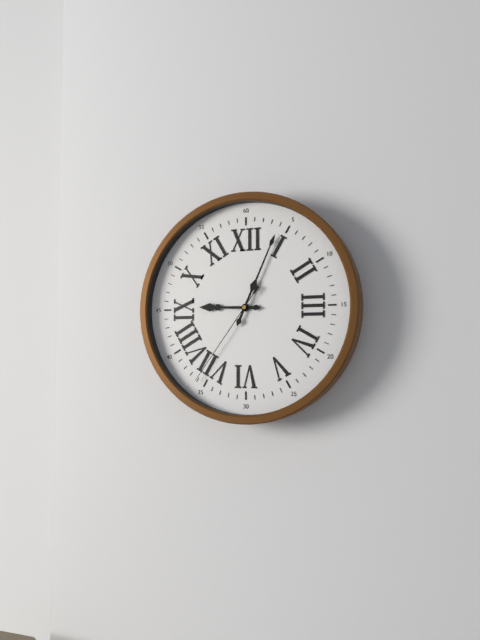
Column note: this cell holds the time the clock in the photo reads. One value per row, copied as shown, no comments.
9:04:36
